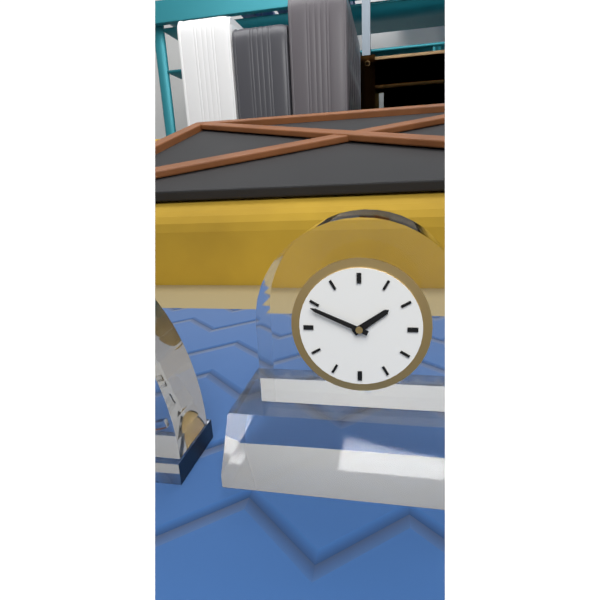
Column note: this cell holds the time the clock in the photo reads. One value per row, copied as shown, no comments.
1:49
